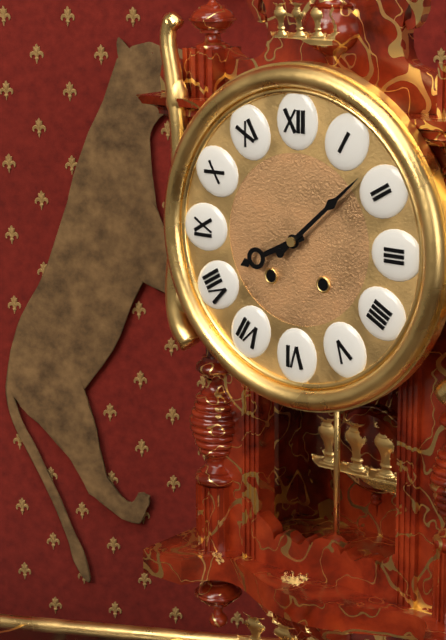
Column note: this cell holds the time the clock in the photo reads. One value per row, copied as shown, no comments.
8:08
